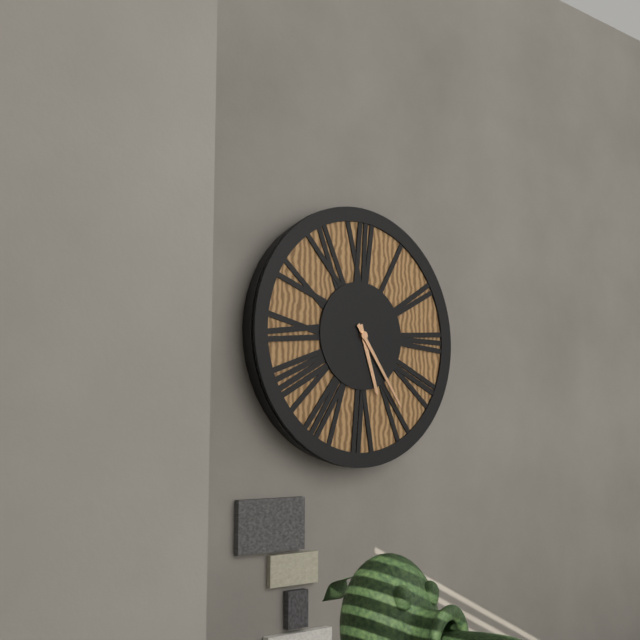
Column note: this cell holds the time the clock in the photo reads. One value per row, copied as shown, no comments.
5:24
